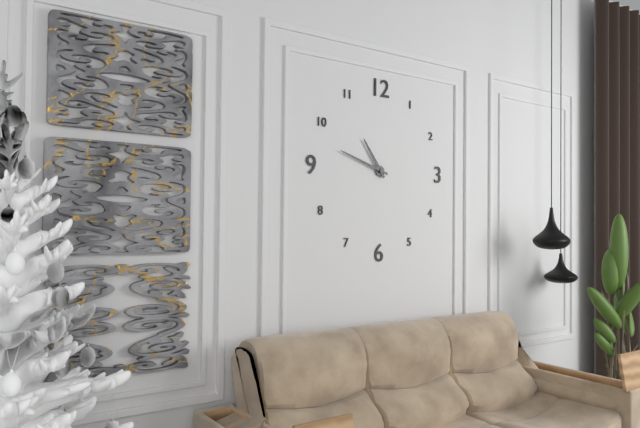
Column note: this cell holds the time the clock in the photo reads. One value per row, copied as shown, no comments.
10:48
